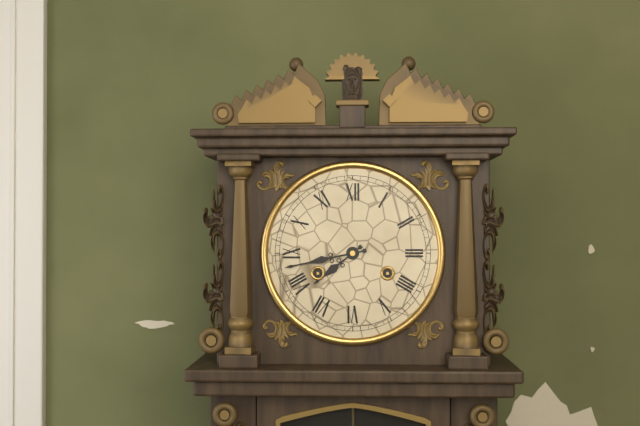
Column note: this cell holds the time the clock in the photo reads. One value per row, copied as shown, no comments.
7:43
